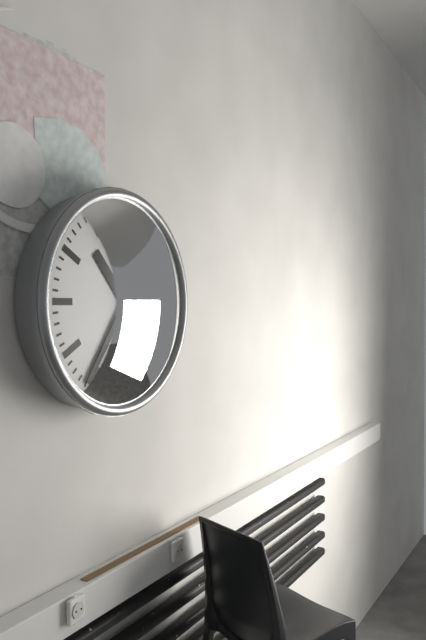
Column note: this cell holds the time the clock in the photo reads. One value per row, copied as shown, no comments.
10:36
